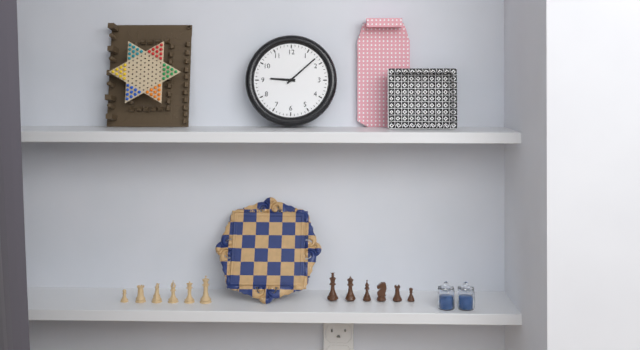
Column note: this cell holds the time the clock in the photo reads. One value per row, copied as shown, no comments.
9:08
